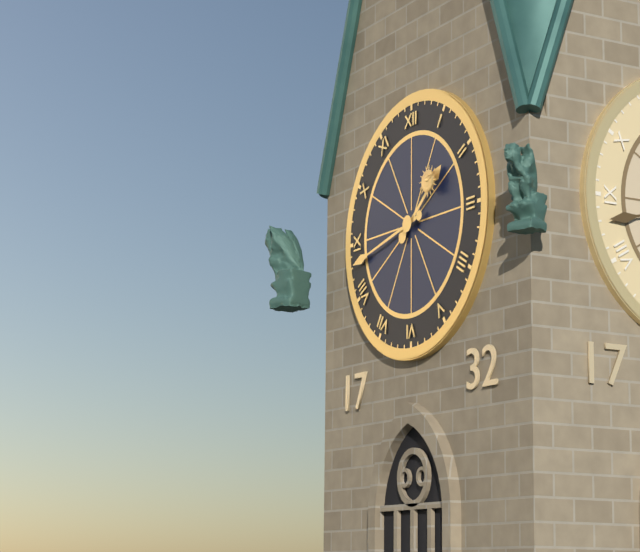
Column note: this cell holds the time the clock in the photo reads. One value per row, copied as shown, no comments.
1:43
